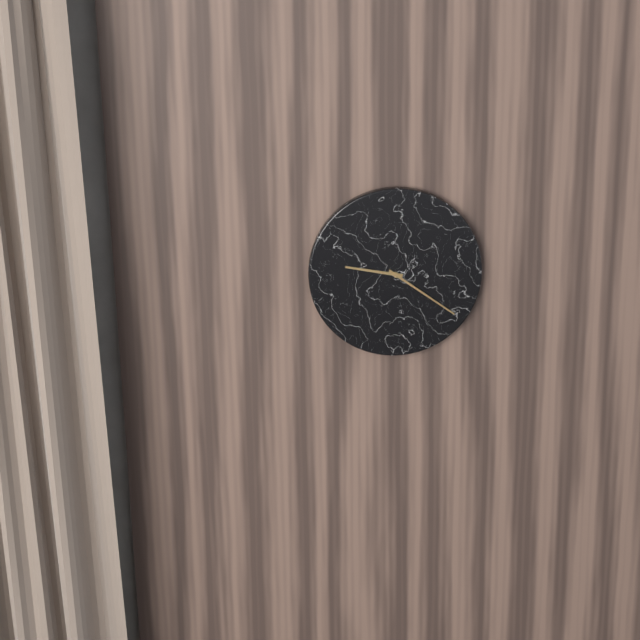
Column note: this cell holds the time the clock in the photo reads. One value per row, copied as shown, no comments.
9:21
